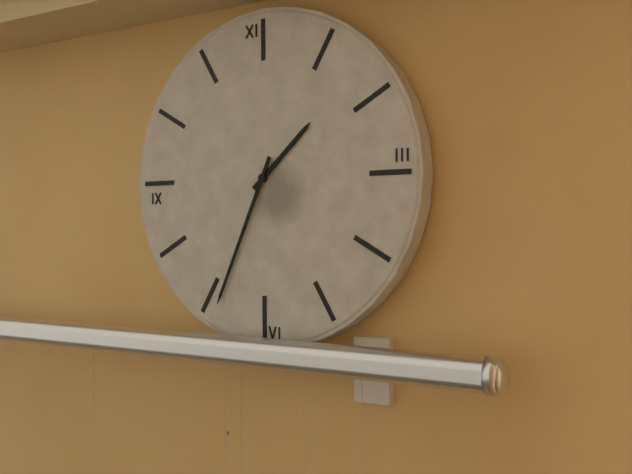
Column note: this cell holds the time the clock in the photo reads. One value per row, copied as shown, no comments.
1:34
